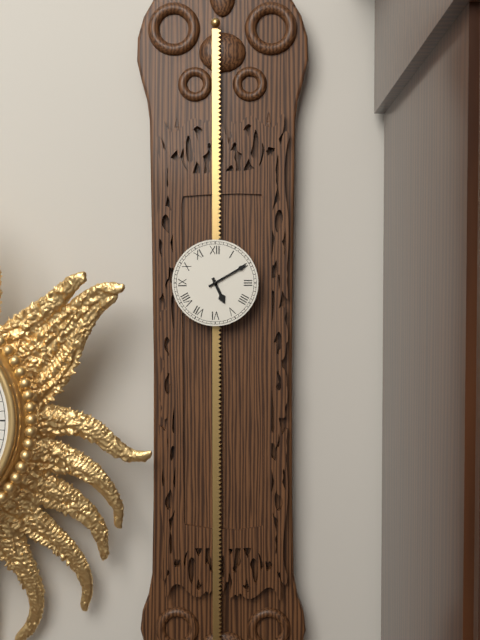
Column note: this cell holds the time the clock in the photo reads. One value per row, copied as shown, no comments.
5:10
